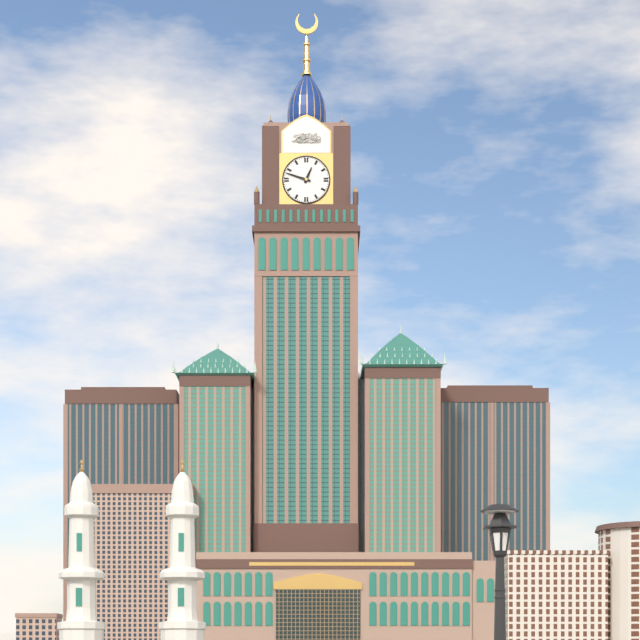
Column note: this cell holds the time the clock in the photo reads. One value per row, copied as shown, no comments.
12:48
